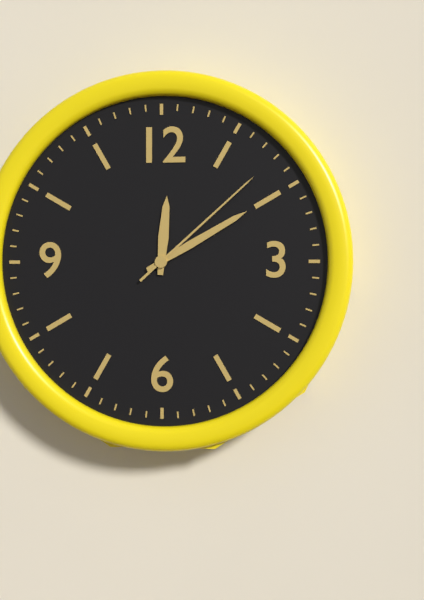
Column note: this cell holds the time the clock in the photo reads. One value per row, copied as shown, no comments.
12:10:08
